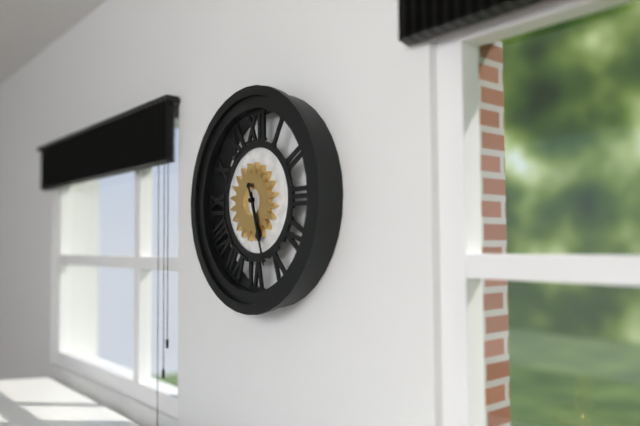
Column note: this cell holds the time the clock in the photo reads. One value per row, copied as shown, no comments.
5:27
